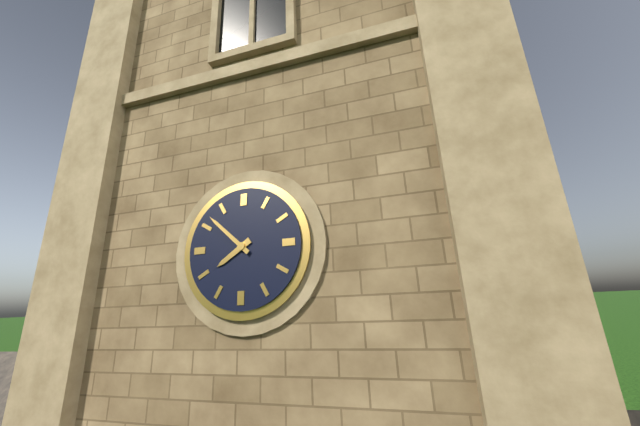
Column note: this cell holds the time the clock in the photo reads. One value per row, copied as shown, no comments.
7:52
